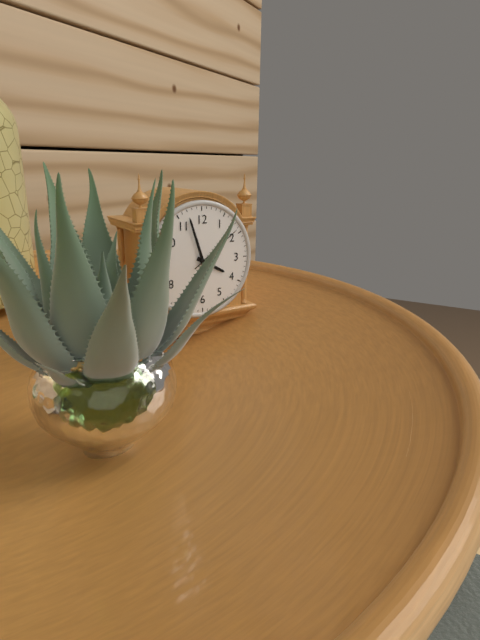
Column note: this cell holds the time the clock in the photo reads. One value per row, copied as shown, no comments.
3:57:09
